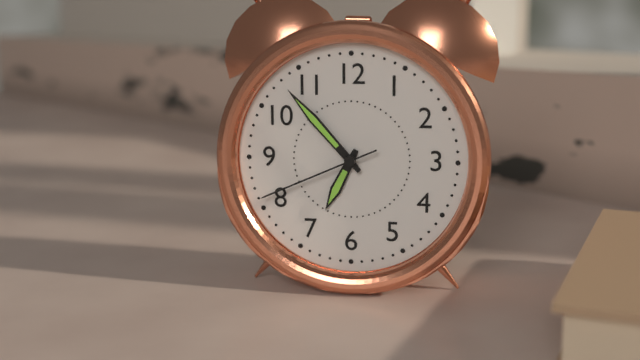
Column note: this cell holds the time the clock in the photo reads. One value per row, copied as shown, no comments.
6:53:41
